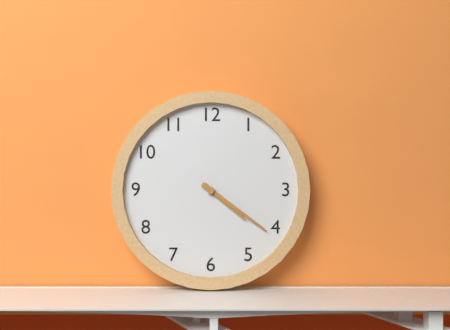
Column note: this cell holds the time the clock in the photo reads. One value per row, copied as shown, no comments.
4:21
